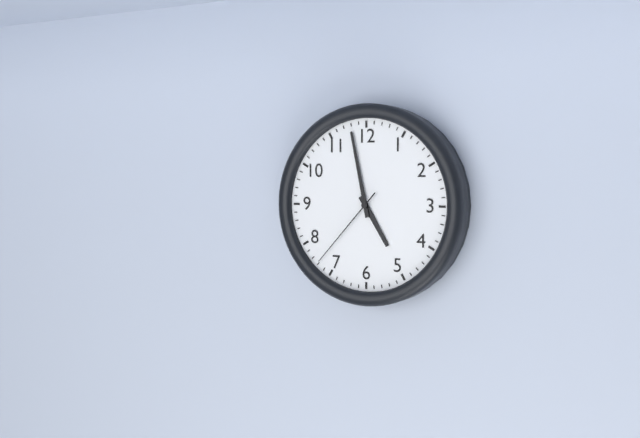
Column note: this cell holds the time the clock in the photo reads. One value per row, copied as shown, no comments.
4:58:37
